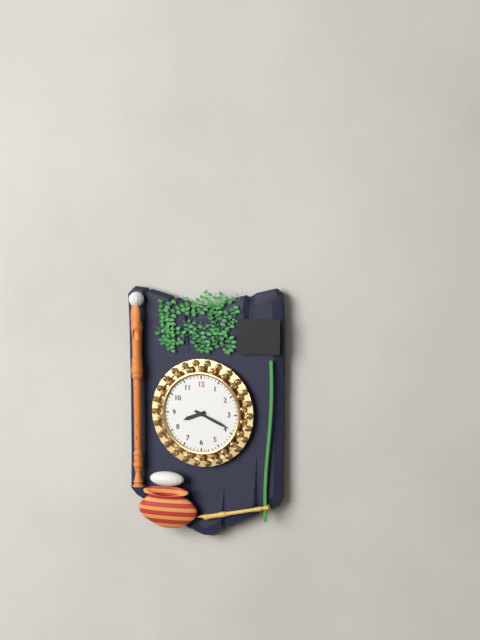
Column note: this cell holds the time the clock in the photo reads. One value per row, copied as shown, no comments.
8:19
